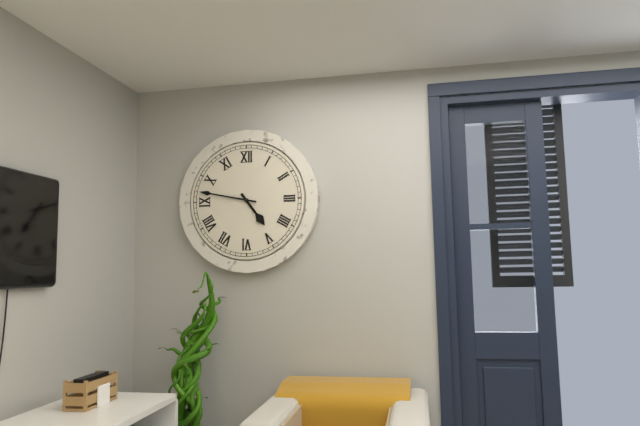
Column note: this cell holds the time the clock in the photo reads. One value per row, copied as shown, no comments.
4:47
